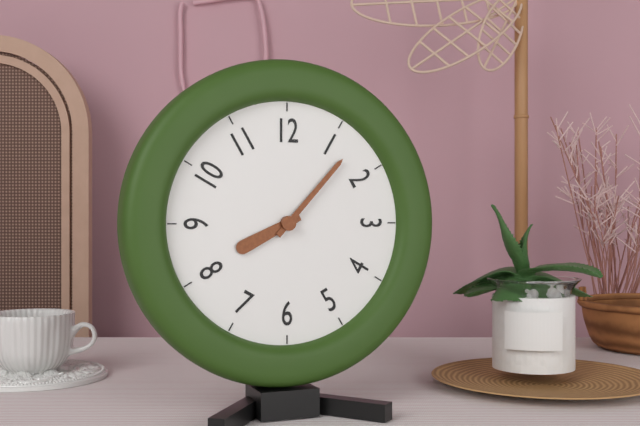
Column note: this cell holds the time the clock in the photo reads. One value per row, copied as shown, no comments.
8:07
